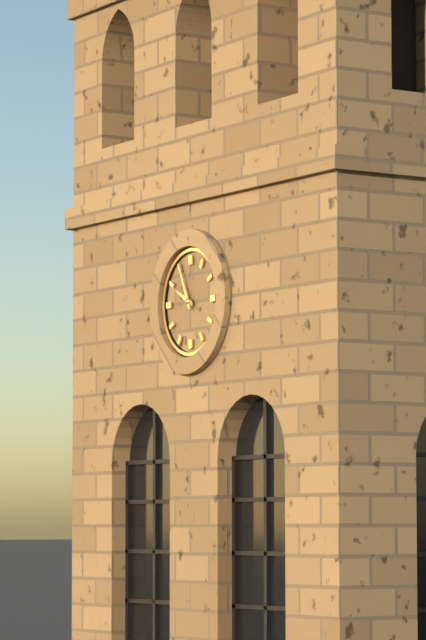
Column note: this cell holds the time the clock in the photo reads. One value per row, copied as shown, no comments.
9:56
